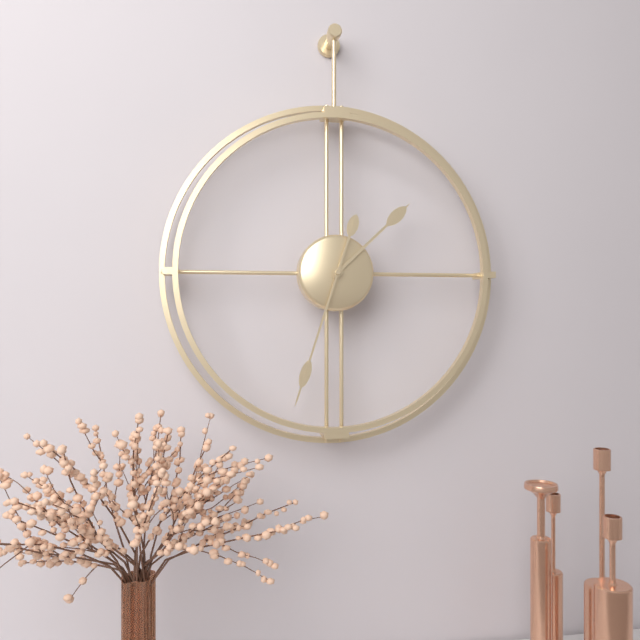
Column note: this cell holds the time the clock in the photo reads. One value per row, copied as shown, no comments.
1:33
